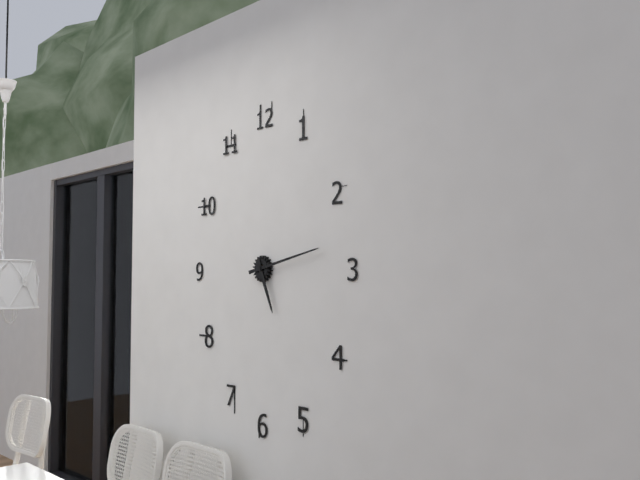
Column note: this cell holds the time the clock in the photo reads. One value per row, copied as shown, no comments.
5:13
